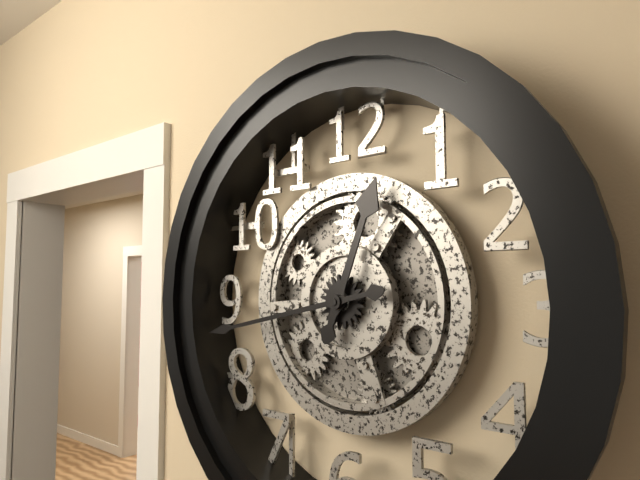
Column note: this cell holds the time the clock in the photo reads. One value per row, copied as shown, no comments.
12:43
